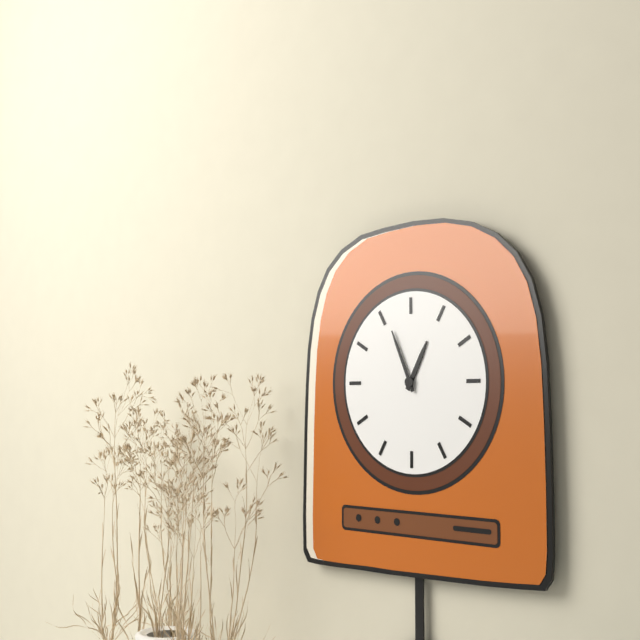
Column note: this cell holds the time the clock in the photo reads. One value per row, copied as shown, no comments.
12:56
